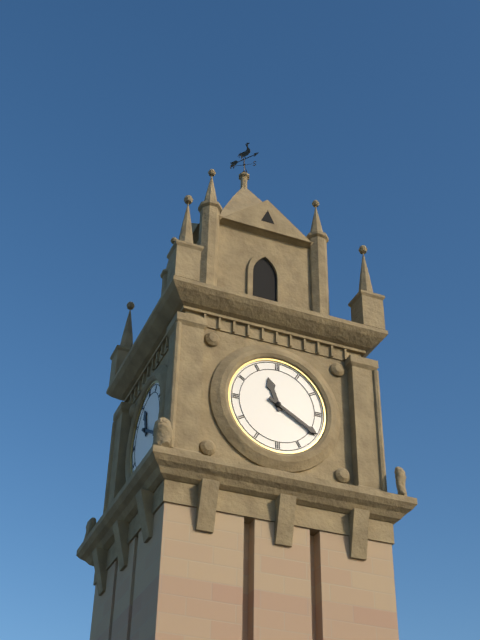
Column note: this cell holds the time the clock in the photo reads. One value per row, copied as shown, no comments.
11:20
